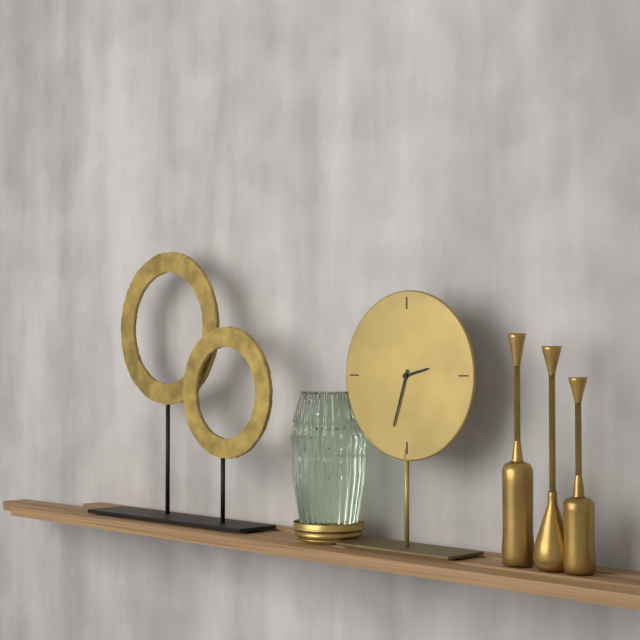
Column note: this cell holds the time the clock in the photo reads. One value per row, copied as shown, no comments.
2:33
